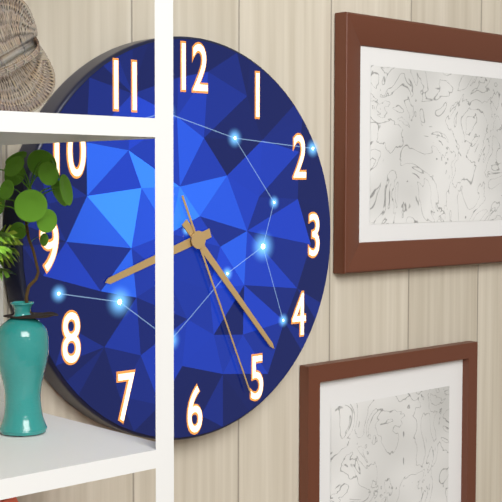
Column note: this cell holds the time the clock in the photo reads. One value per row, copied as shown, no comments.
8:23:26
